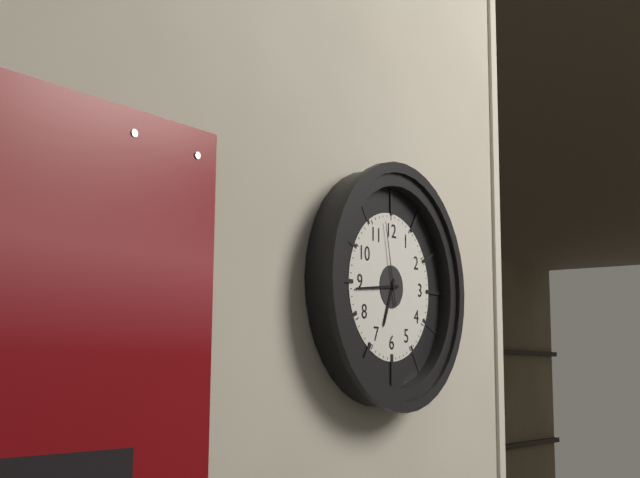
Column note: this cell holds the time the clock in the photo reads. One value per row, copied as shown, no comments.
6:44:58
